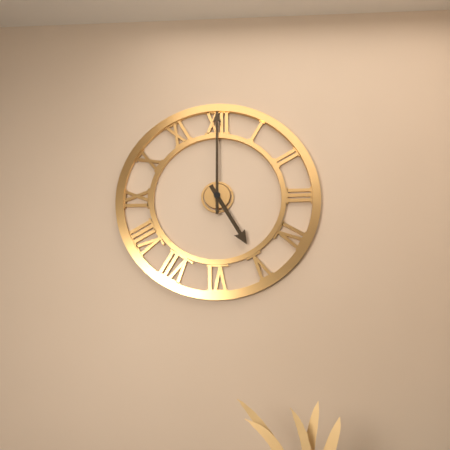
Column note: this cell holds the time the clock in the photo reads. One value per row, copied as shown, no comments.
5:00
